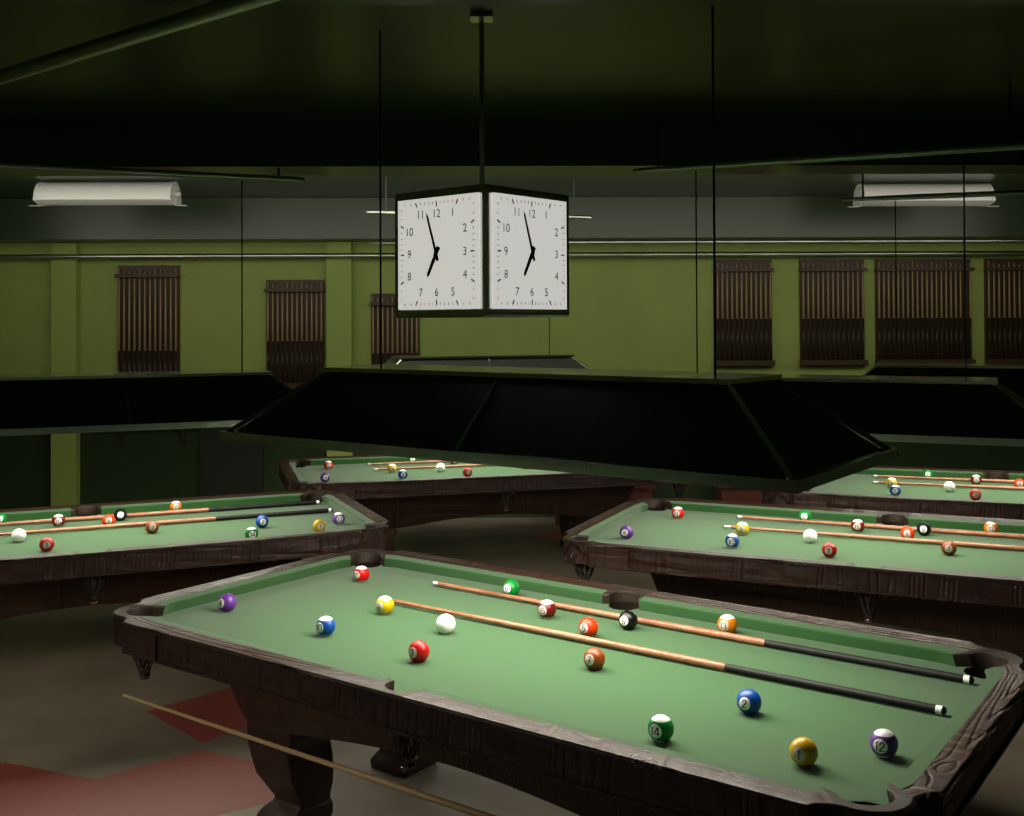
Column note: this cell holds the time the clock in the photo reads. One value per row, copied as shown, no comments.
6:57
